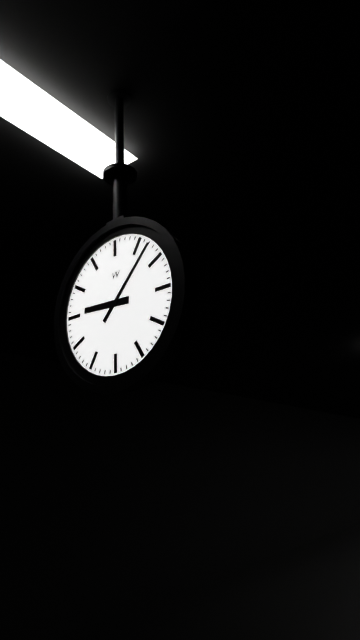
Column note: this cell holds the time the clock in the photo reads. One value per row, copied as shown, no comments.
9:07
